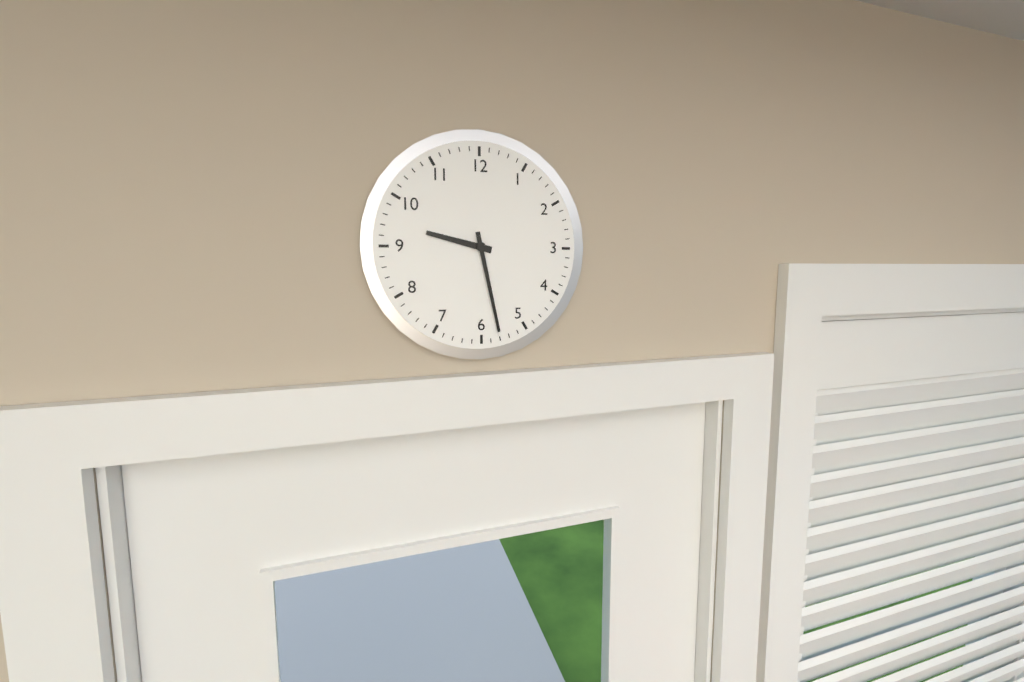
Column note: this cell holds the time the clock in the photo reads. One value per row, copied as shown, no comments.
9:28
